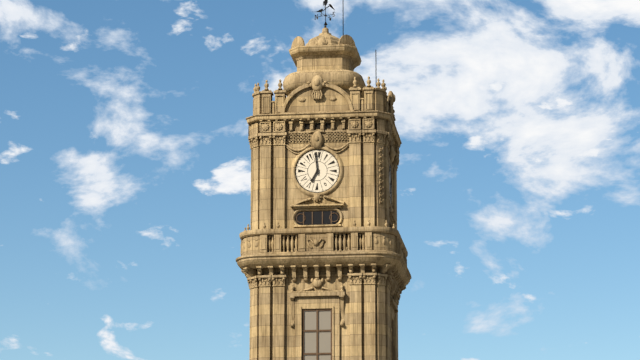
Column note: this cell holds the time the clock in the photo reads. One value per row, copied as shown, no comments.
6:59
